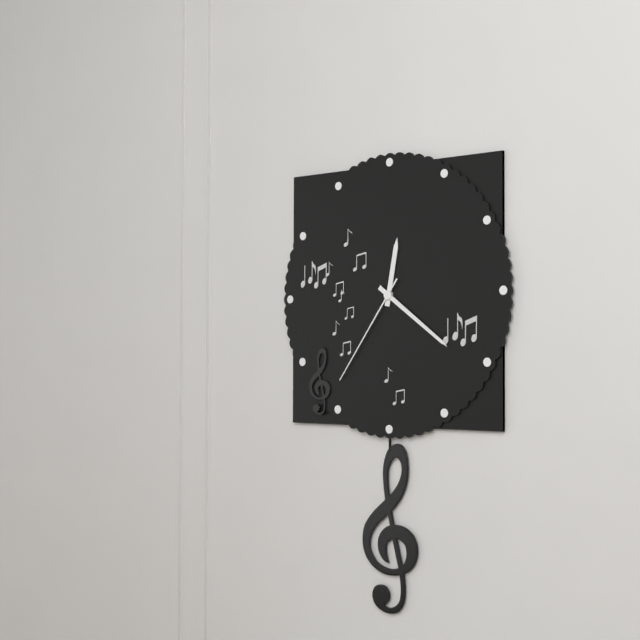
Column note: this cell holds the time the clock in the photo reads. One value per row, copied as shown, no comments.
12:21:36
